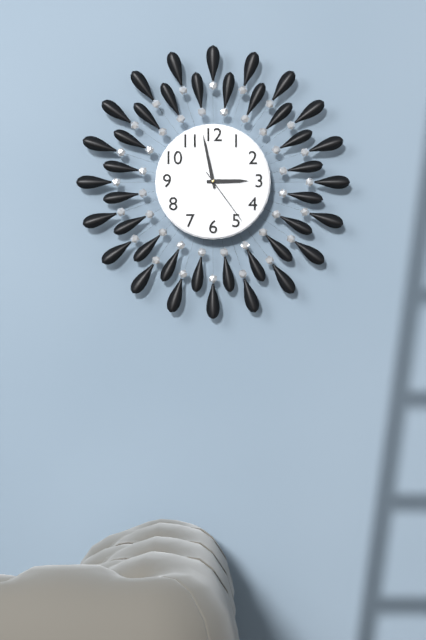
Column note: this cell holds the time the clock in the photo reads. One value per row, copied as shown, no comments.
2:58:24
